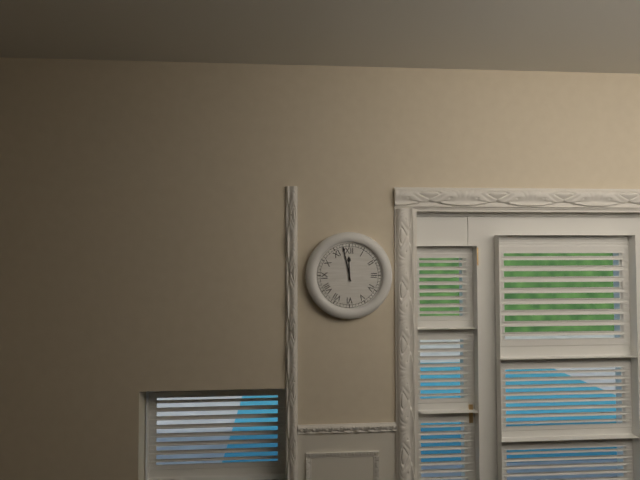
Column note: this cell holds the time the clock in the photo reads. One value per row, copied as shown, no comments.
11:58
